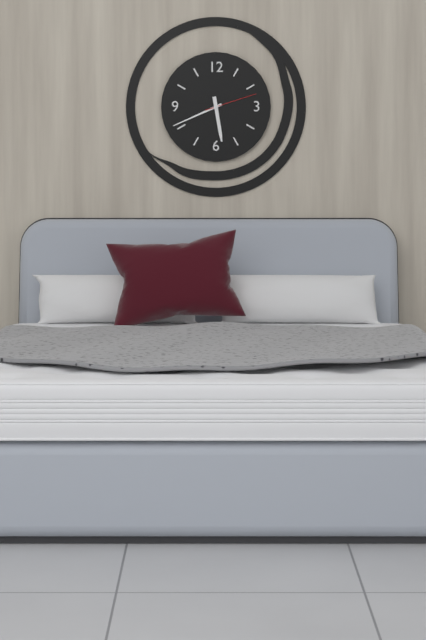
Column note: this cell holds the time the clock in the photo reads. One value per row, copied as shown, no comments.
5:41:12
